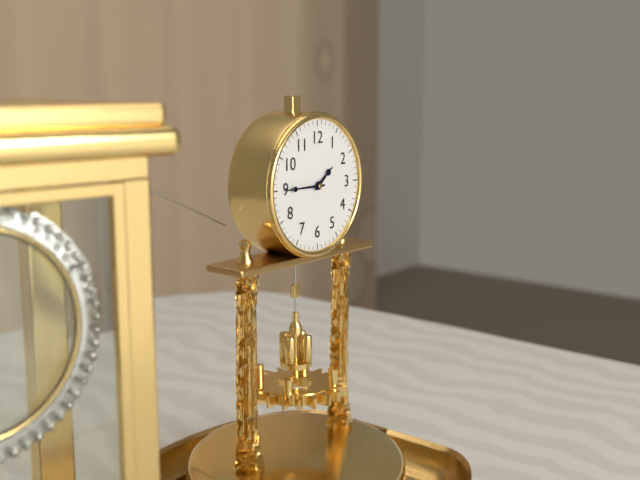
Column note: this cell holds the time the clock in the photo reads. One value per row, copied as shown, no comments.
1:45
